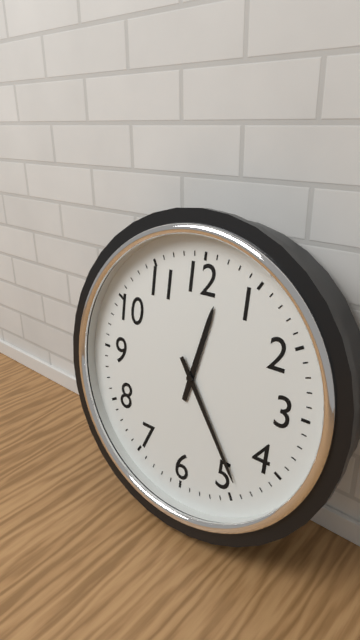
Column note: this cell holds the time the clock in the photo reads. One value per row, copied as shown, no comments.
12:24
